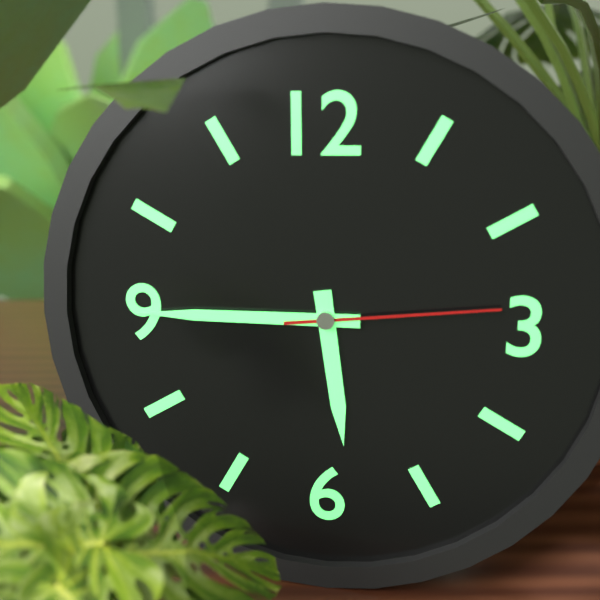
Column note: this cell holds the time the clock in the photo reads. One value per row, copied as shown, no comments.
5:45:14
